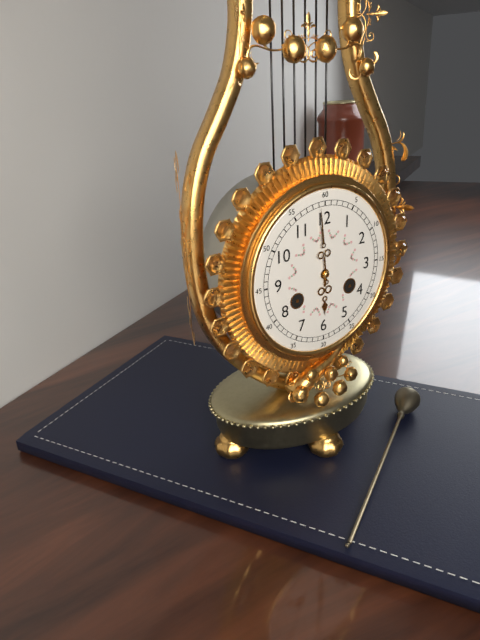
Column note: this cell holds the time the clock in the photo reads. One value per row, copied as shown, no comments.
5:59
